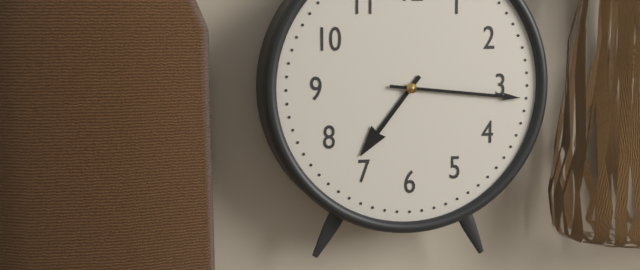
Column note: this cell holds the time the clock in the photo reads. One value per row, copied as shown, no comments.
7:16
